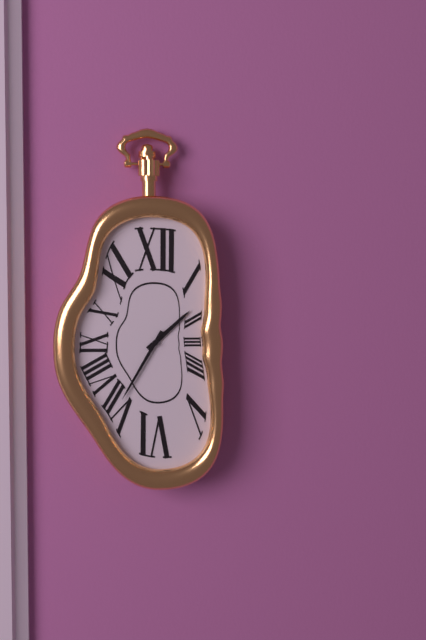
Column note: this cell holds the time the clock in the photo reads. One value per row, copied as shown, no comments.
1:35
